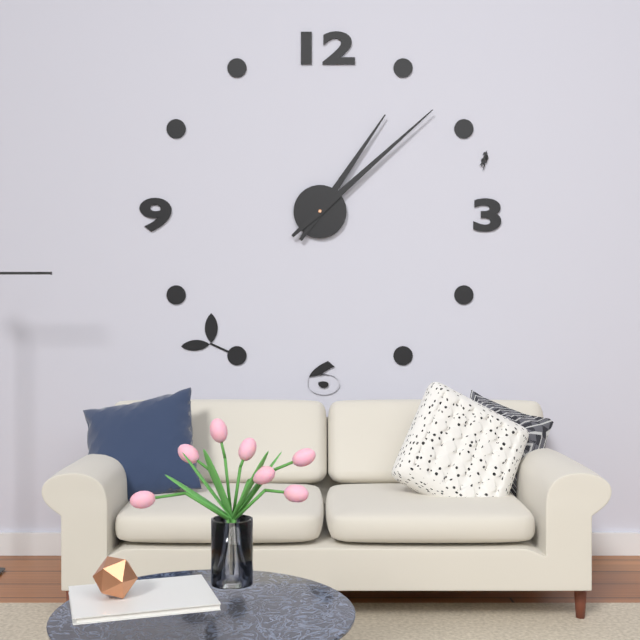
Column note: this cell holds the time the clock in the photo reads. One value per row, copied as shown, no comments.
1:08
